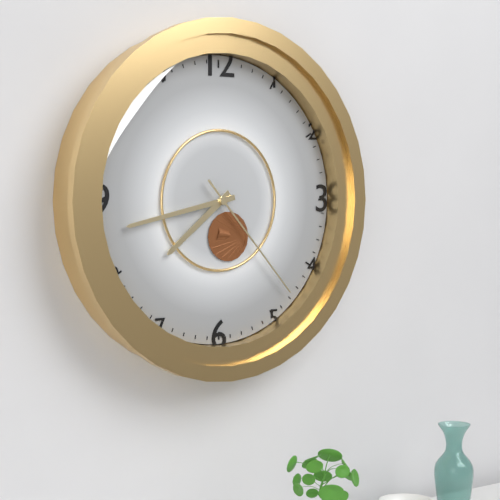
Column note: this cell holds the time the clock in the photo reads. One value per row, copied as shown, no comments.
7:43:23
